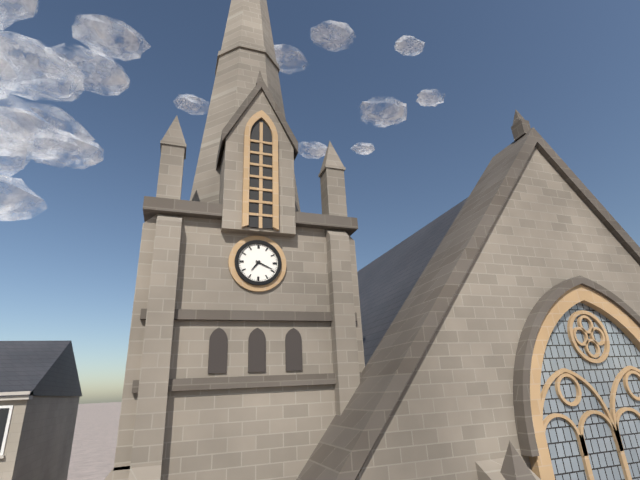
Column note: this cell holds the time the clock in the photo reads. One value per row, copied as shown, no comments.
7:19
